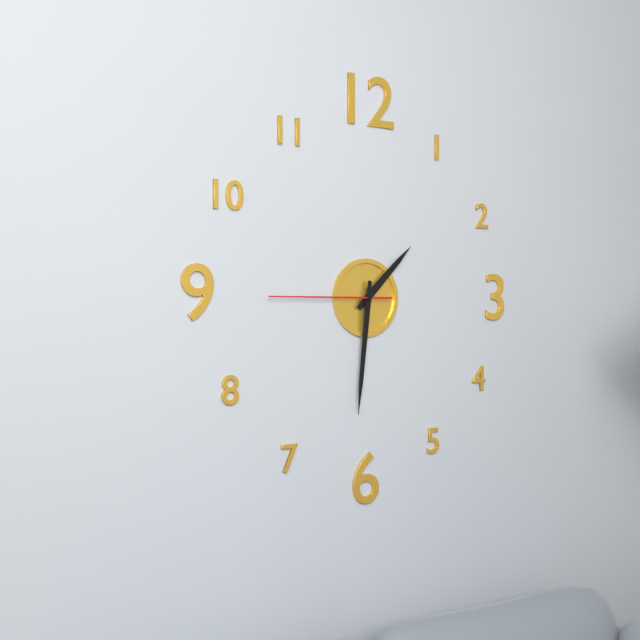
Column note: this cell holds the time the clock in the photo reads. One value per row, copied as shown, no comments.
1:31:45
